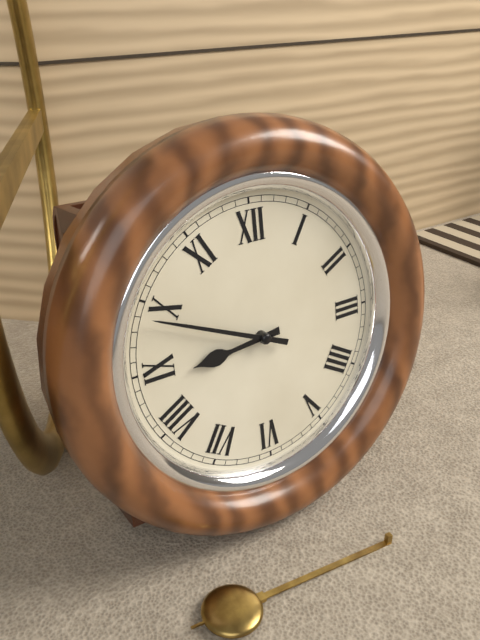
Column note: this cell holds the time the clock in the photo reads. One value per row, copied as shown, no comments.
8:49
